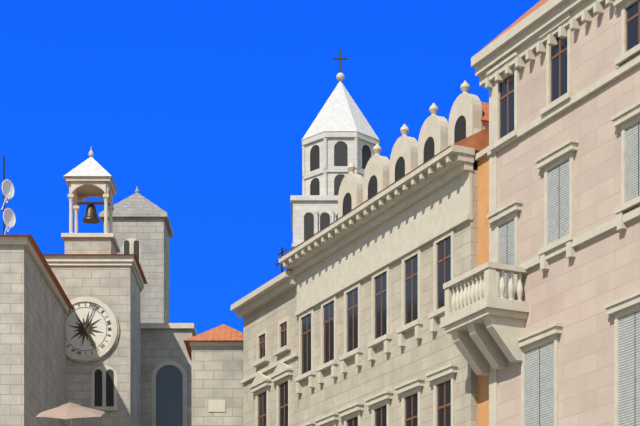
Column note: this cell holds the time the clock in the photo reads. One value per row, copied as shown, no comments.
5:04
